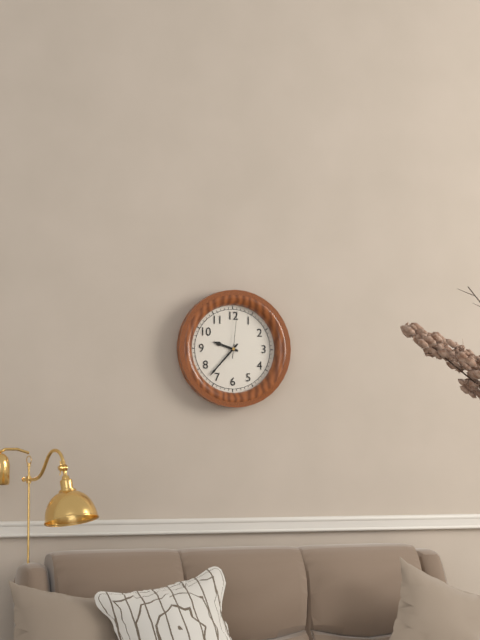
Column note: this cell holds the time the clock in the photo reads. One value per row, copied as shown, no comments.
9:37
